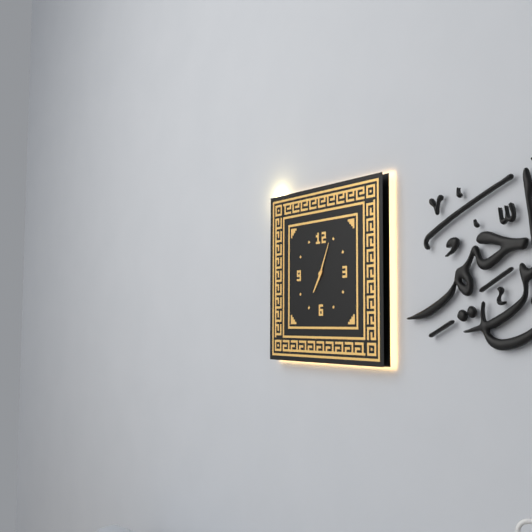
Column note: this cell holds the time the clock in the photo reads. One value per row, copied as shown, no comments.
7:04
